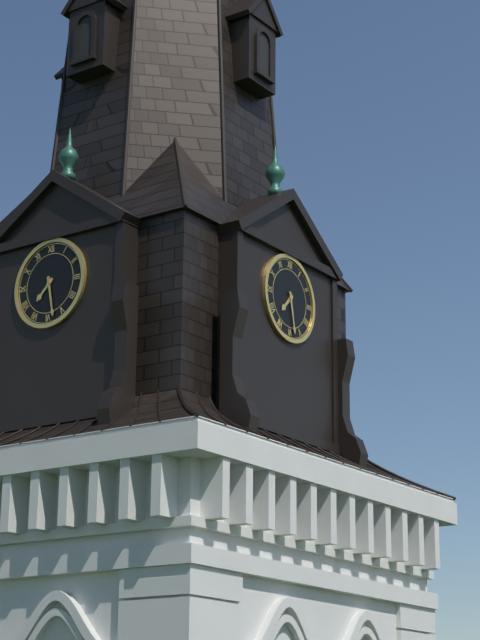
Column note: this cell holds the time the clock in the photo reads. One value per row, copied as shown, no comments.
7:28
